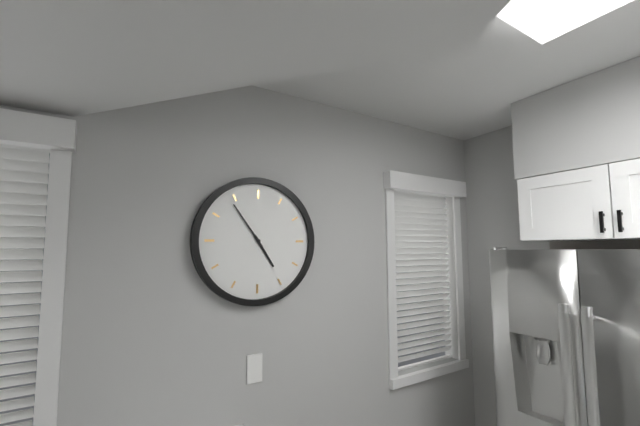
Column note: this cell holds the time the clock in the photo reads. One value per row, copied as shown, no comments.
4:54
